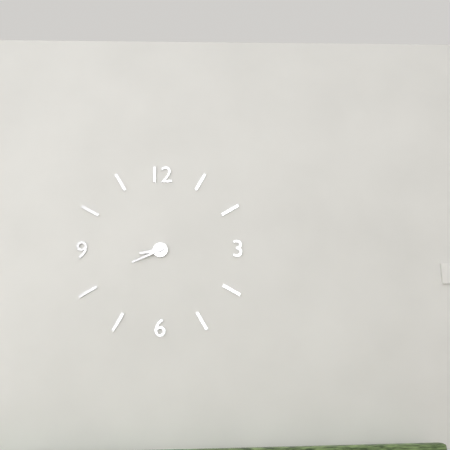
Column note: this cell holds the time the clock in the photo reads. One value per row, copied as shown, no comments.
8:41
